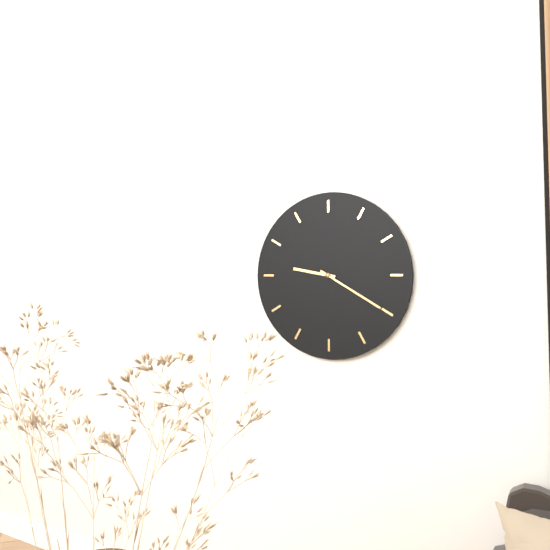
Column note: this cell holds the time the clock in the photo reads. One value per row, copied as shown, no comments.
9:20
